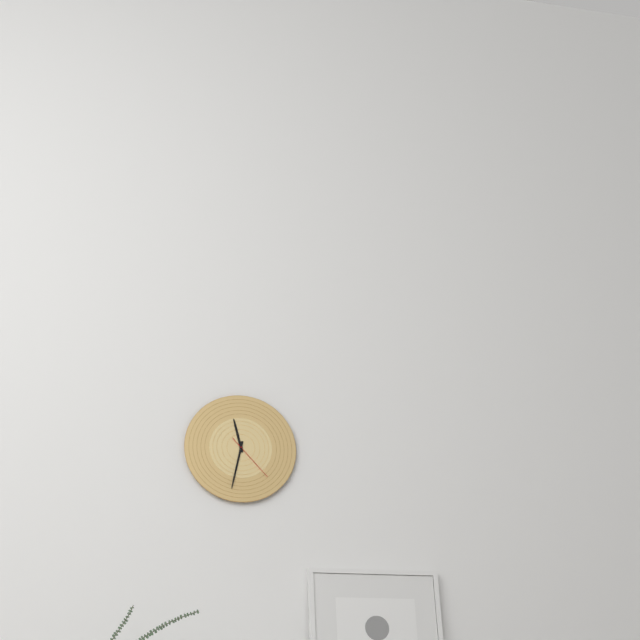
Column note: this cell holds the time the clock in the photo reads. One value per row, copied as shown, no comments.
11:32
